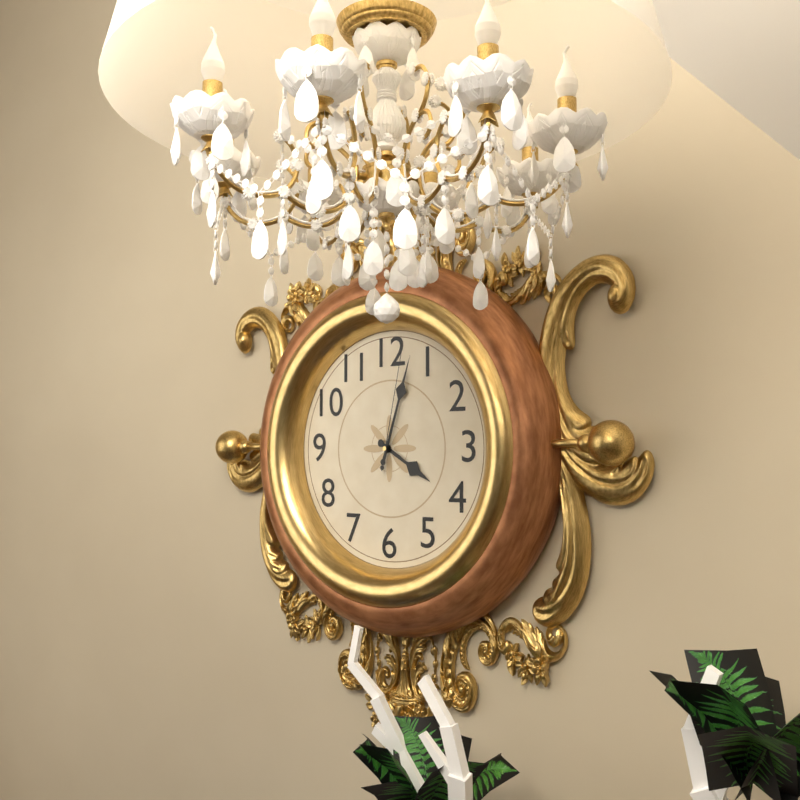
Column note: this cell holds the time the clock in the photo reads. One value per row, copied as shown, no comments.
4:03:02
